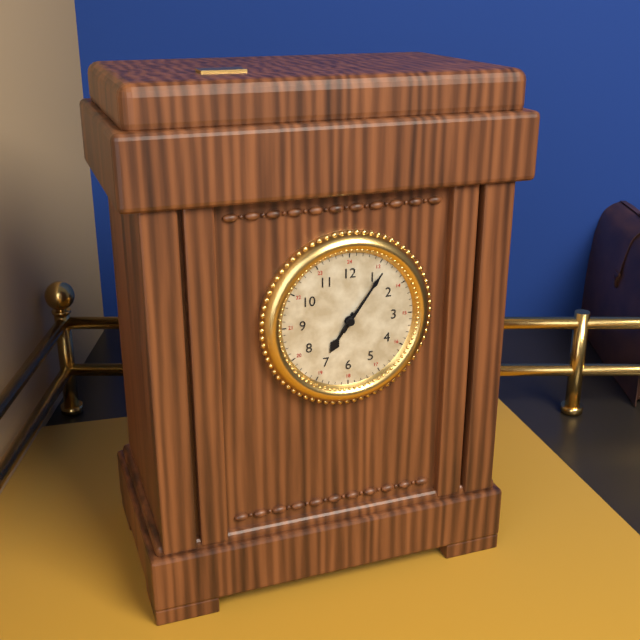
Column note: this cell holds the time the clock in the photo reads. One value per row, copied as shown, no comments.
7:06
